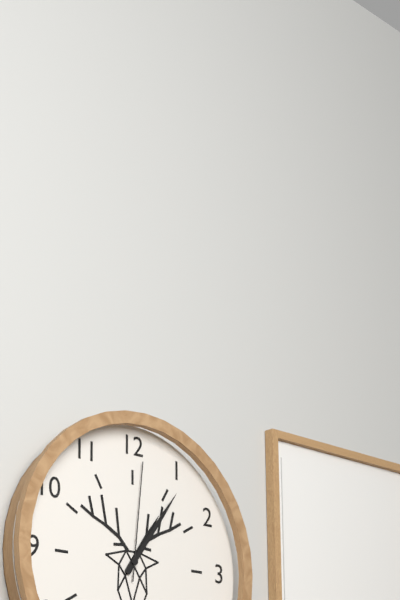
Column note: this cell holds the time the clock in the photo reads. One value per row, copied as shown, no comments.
1:06:01
